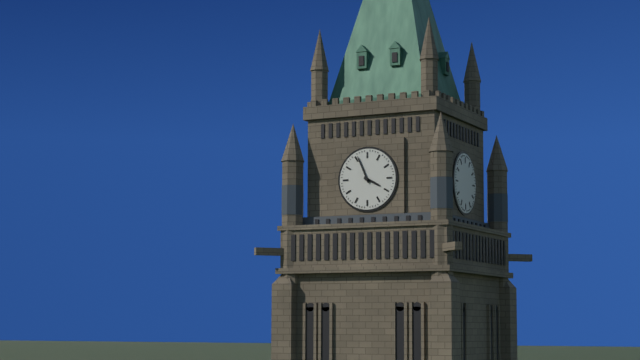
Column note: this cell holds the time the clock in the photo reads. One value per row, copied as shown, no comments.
3:56
